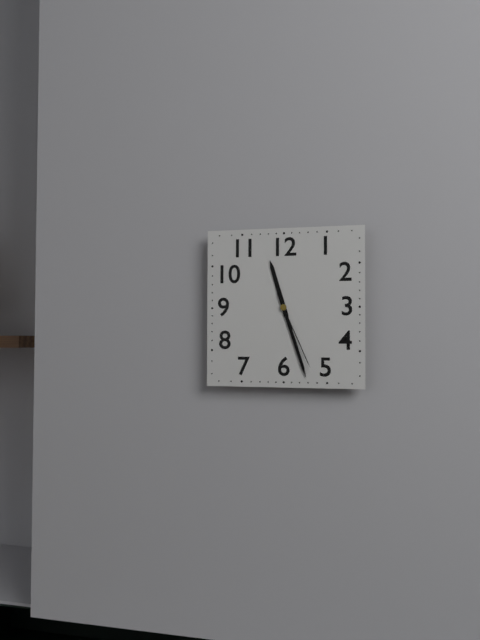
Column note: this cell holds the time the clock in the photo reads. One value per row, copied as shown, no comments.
11:27:26
